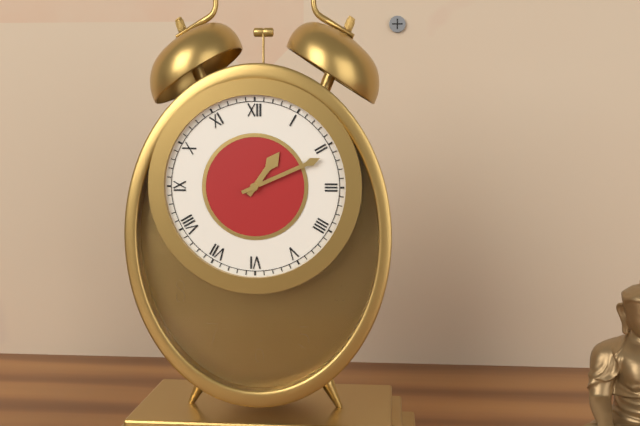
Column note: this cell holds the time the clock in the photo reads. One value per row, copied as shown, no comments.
1:11
